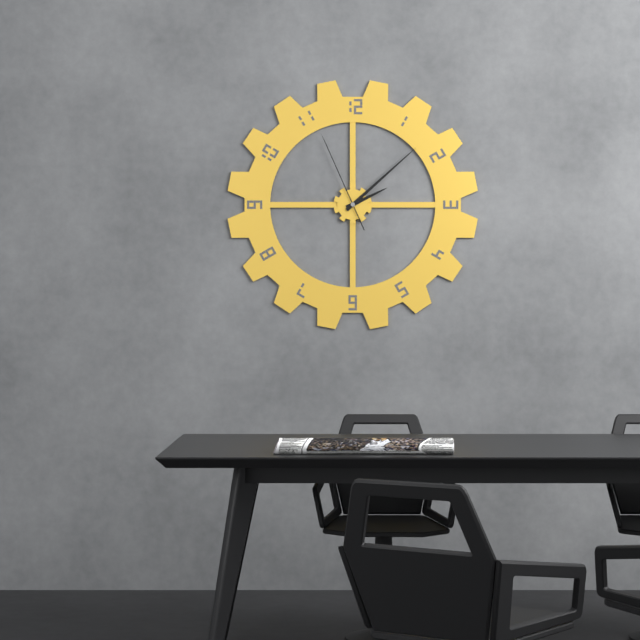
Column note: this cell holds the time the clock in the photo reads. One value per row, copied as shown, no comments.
2:08:56
